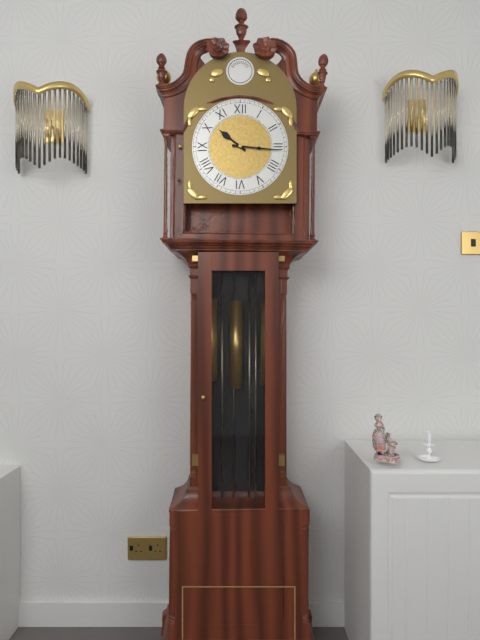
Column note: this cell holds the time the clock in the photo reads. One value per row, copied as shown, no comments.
10:16
